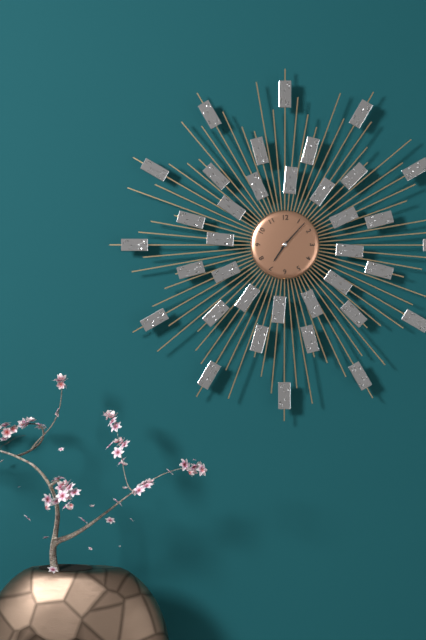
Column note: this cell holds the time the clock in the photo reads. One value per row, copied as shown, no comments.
7:07
